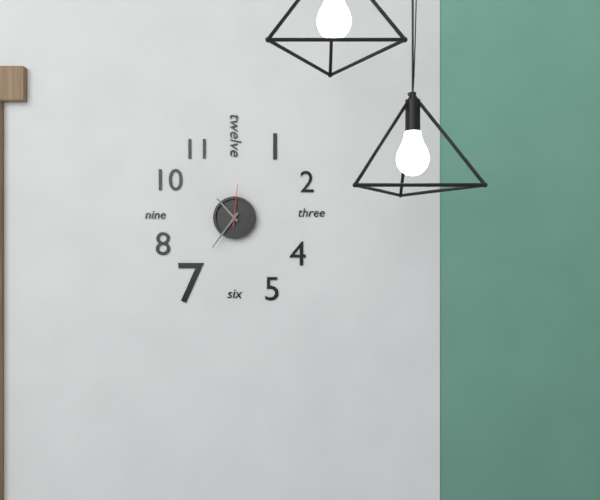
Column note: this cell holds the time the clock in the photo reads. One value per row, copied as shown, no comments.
10:36
